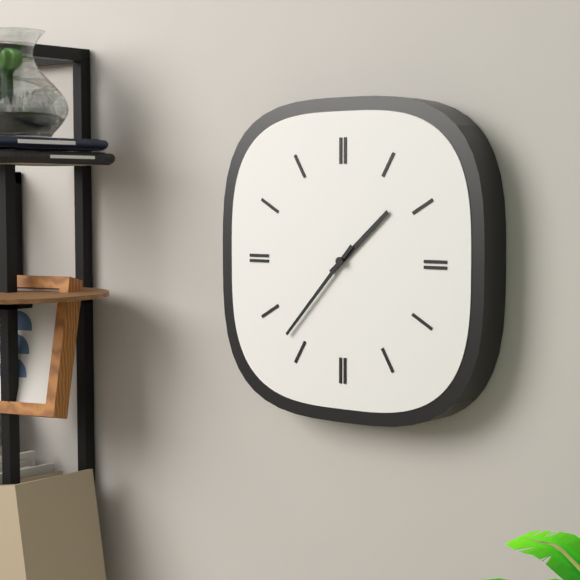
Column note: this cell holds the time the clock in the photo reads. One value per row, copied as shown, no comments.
1:37
